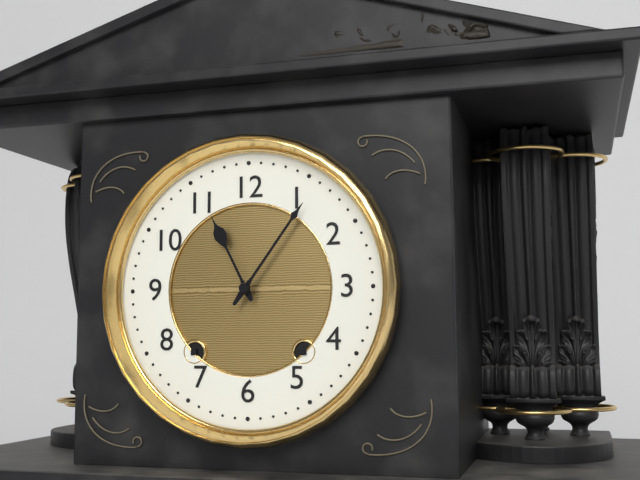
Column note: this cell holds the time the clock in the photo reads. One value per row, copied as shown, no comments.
11:06
